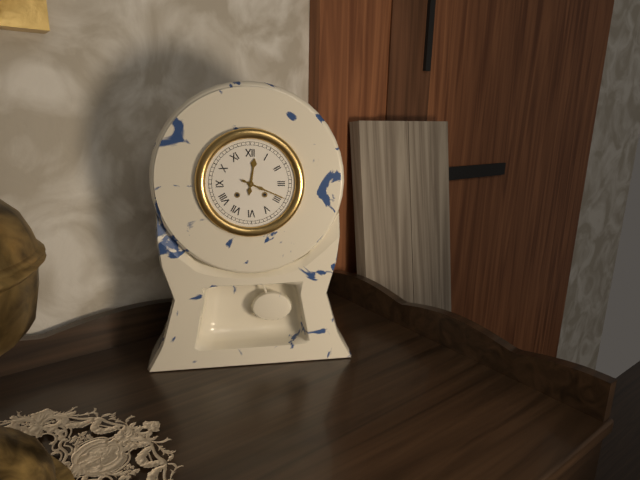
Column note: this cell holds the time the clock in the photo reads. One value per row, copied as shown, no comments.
12:19
